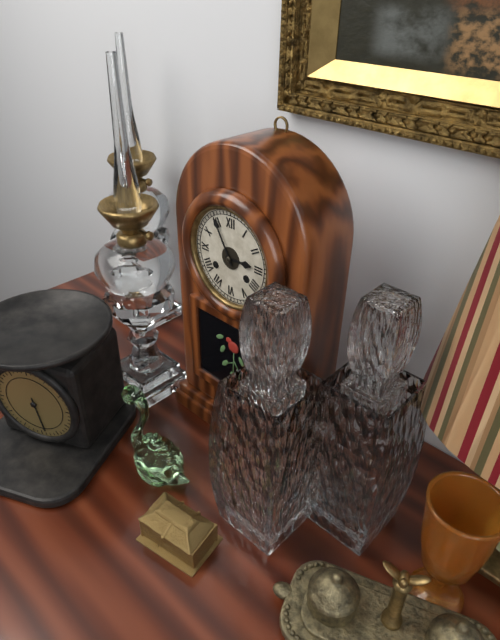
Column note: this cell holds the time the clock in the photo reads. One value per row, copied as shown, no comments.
2:55
